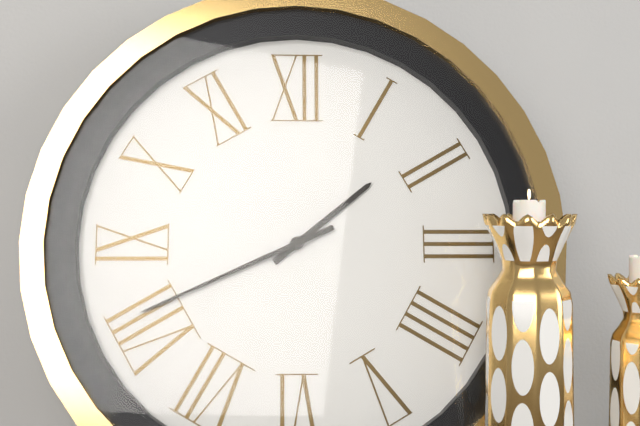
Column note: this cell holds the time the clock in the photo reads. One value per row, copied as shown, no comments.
1:41
